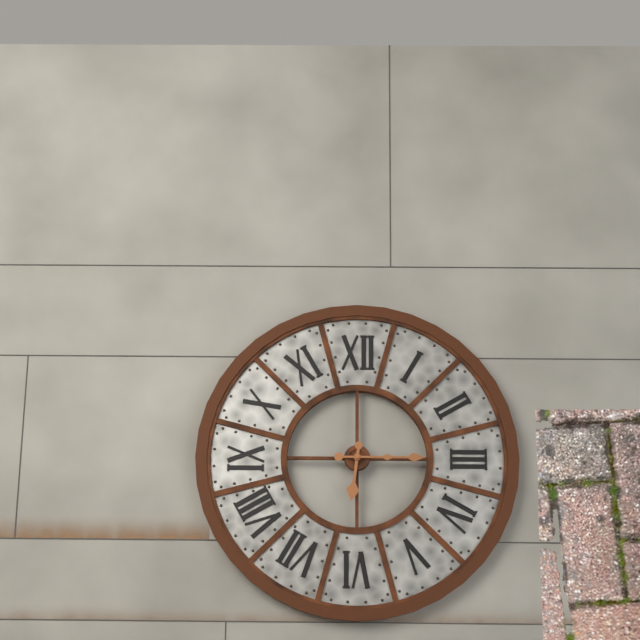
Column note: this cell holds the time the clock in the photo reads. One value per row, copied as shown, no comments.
6:15
